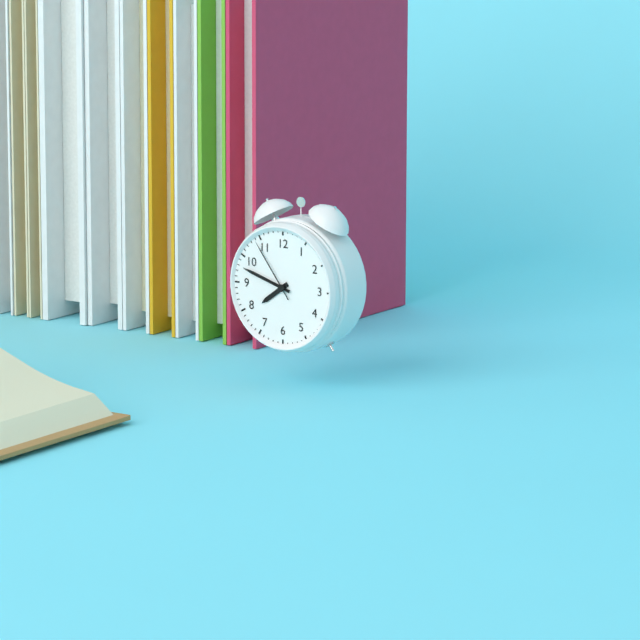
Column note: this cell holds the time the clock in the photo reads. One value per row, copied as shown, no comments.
7:48:54
